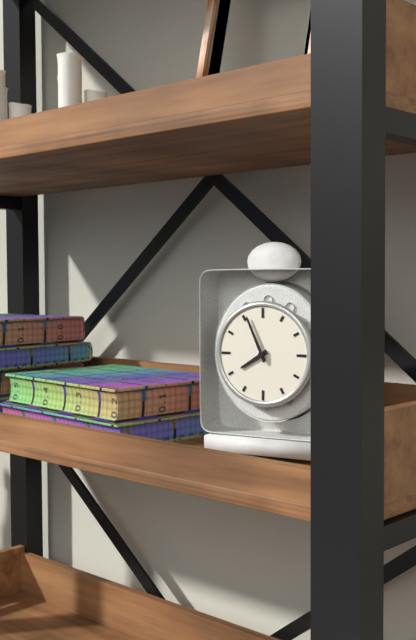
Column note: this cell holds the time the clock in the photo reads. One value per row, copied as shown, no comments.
7:56
